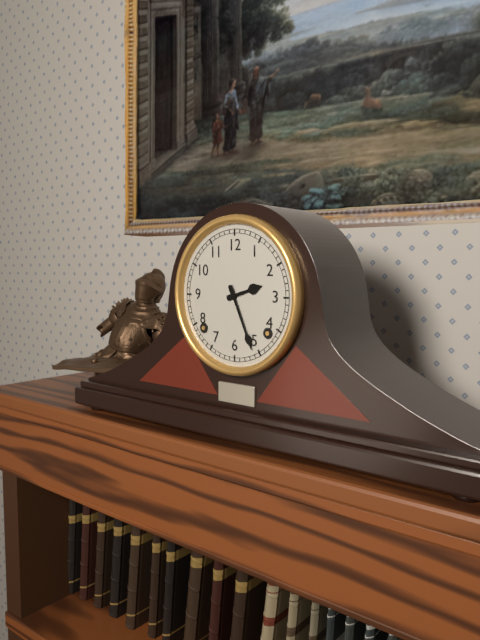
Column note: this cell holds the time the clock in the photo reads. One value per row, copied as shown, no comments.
2:26
